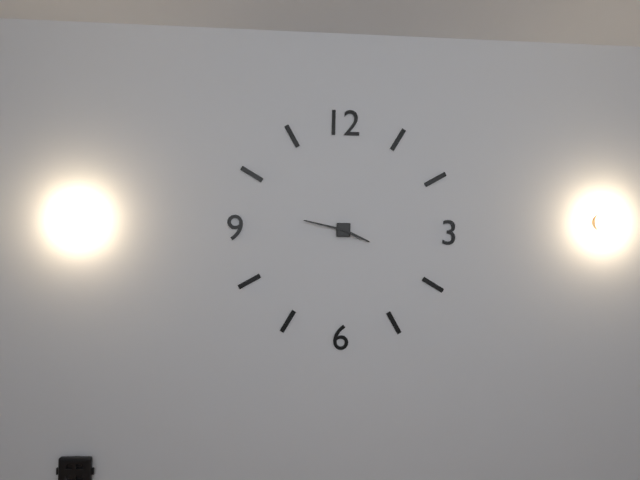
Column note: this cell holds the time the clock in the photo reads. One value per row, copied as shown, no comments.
3:47
